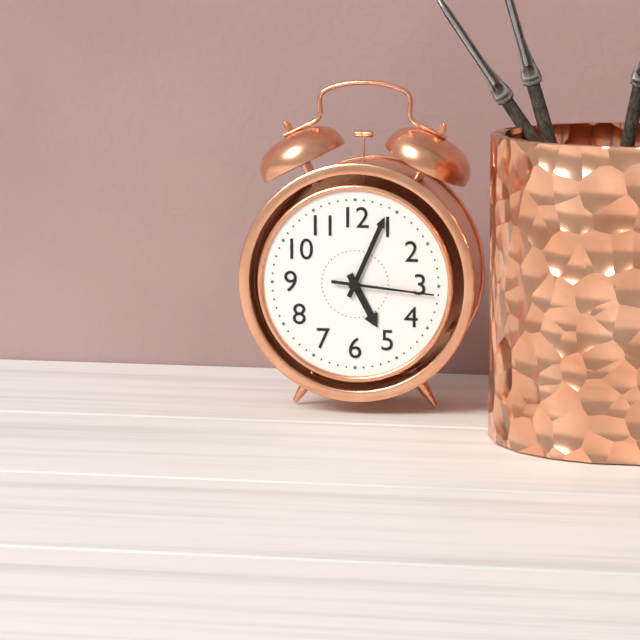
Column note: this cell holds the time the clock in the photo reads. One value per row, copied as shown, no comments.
5:04:16
